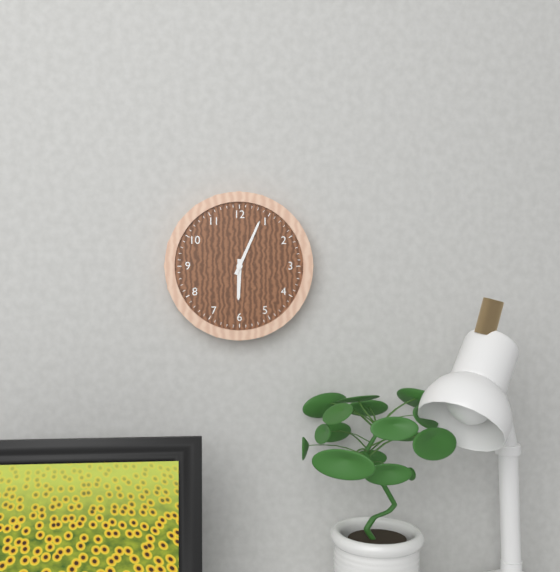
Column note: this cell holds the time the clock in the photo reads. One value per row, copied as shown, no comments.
6:04
